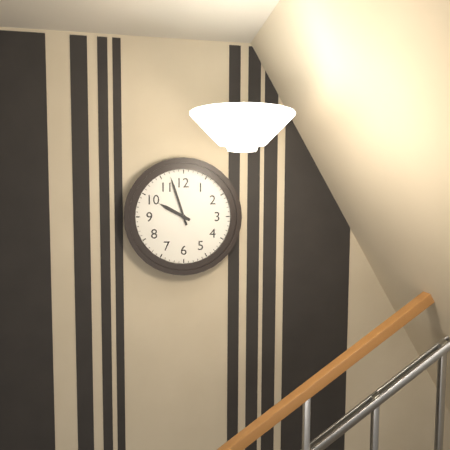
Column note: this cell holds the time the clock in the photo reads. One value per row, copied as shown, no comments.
9:57
